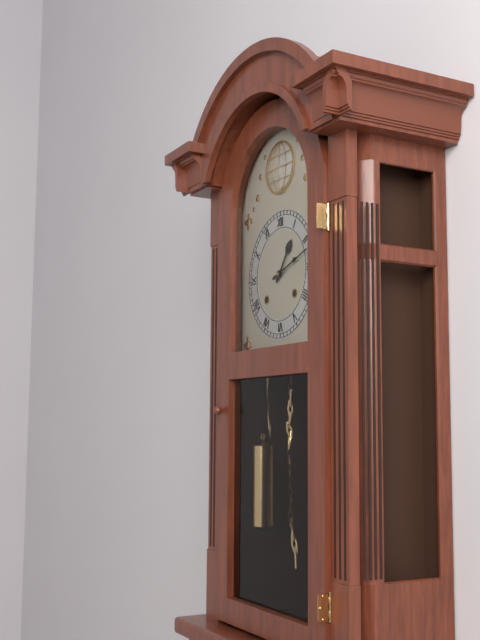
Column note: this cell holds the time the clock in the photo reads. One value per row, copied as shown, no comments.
1:12
